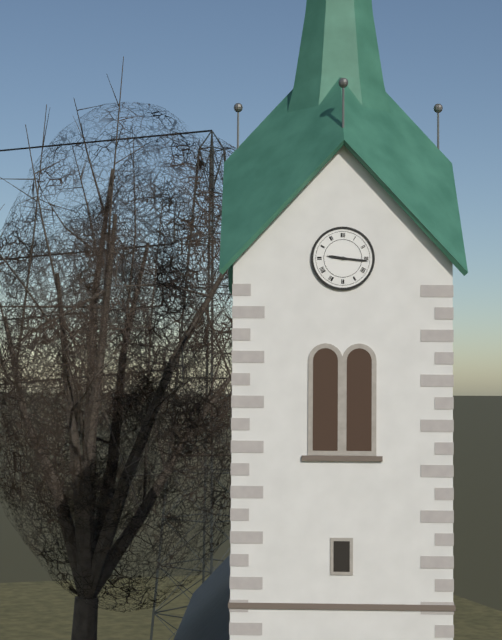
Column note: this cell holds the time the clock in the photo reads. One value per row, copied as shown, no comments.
9:16
